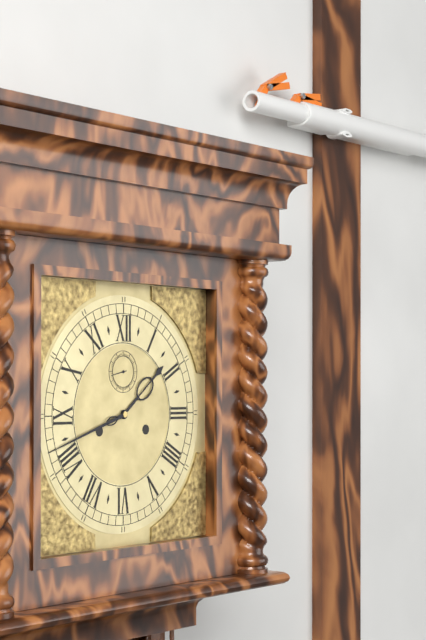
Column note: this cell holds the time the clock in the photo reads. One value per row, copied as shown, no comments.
1:42
